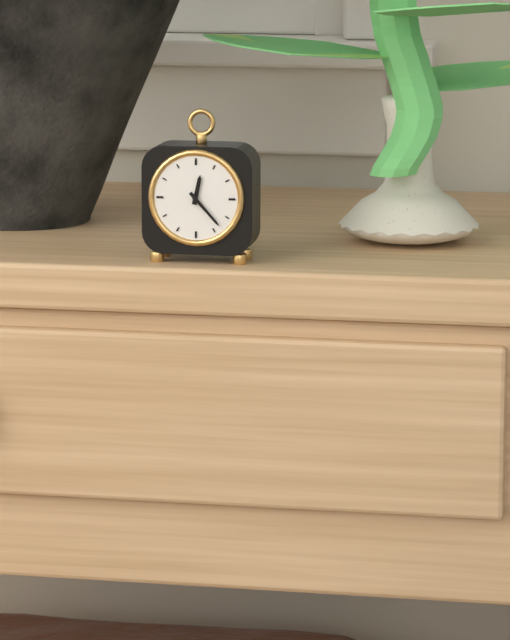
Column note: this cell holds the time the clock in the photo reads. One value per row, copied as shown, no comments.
12:23
